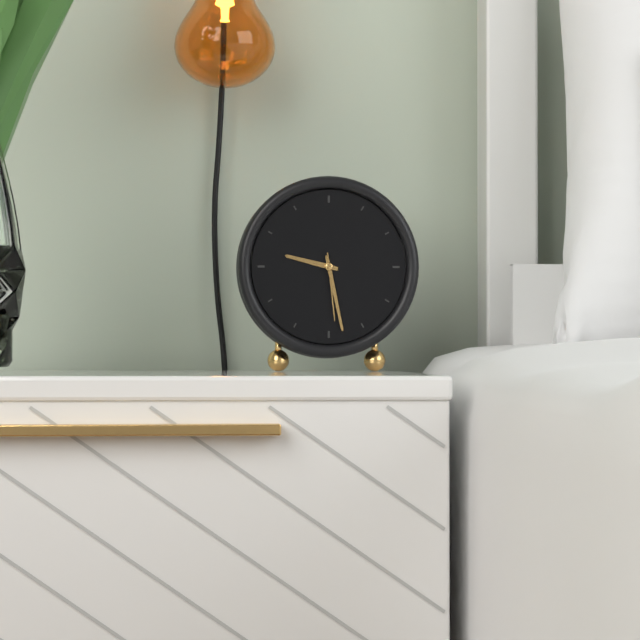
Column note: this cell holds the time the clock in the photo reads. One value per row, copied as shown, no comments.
9:28:29
